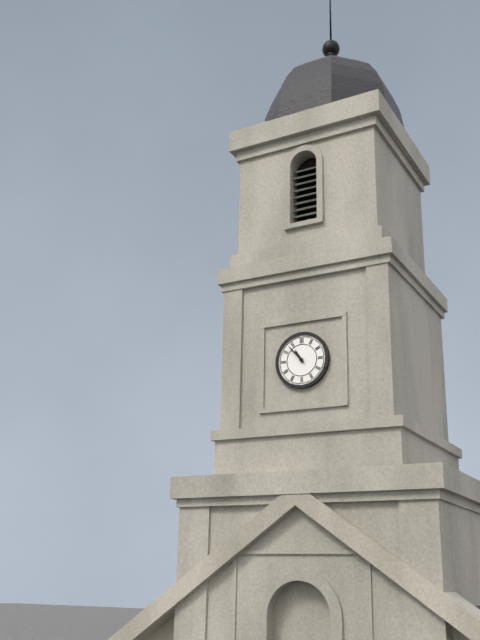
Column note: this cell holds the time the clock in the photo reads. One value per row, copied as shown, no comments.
10:53
